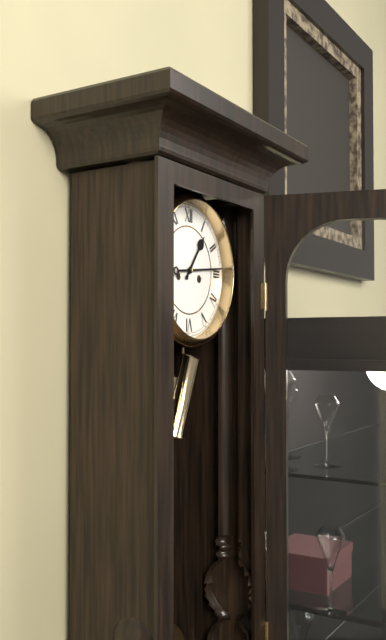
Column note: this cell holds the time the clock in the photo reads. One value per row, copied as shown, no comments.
1:14
